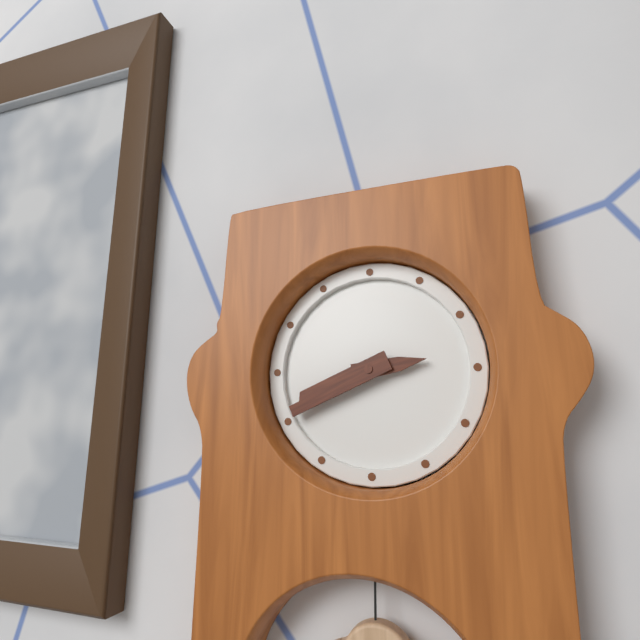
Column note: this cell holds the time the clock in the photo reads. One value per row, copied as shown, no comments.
2:41
